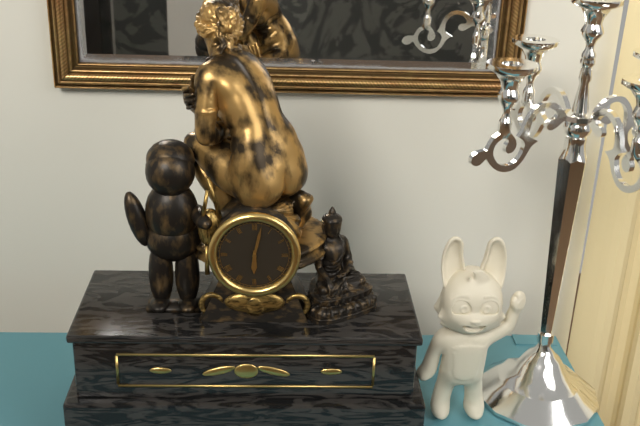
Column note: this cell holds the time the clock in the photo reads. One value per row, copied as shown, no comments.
6:02
